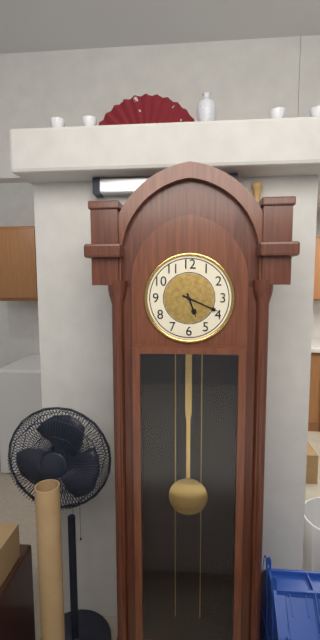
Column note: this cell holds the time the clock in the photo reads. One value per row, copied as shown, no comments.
5:19
